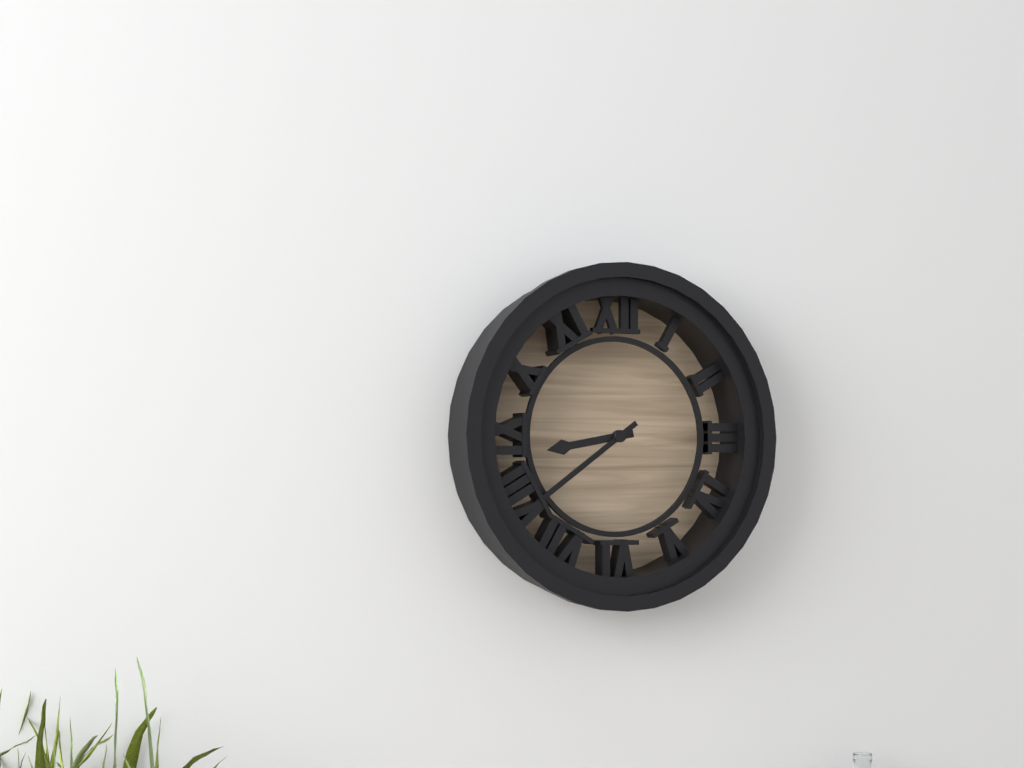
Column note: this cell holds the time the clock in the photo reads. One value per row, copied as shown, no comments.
8:39
